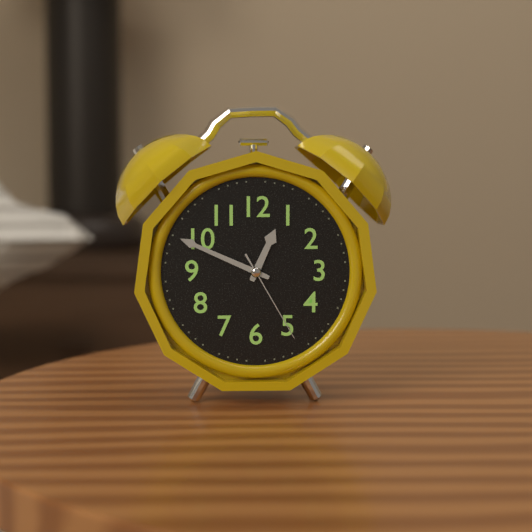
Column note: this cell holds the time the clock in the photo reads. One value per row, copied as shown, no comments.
12:49:25
